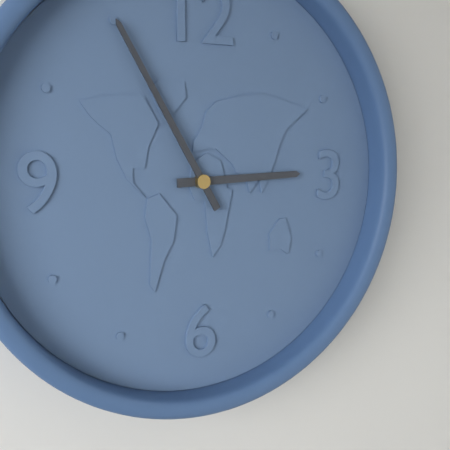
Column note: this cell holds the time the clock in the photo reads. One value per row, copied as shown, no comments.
2:55
